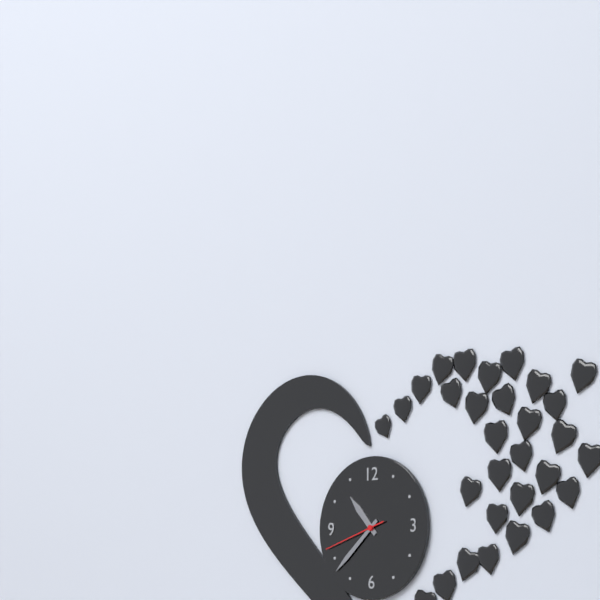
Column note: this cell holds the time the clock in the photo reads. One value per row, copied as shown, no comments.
10:38:42
